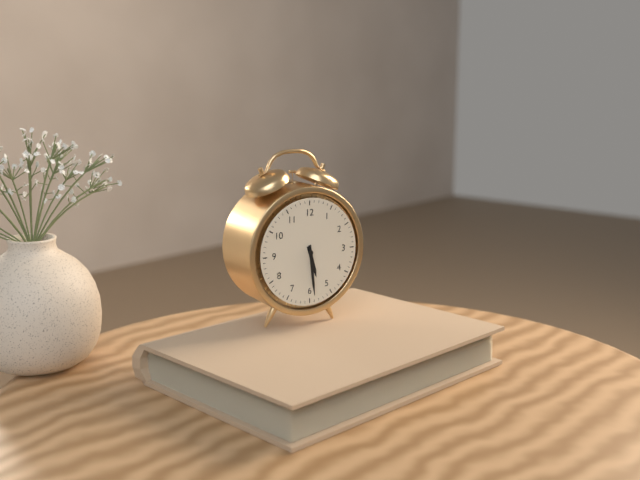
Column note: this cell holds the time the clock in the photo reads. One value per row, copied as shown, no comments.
5:29
